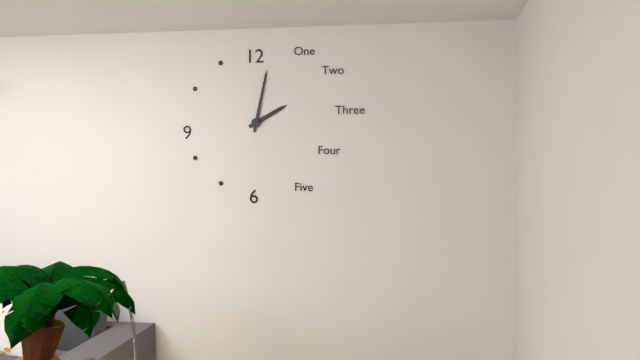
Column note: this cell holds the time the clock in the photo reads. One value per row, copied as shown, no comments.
2:02
